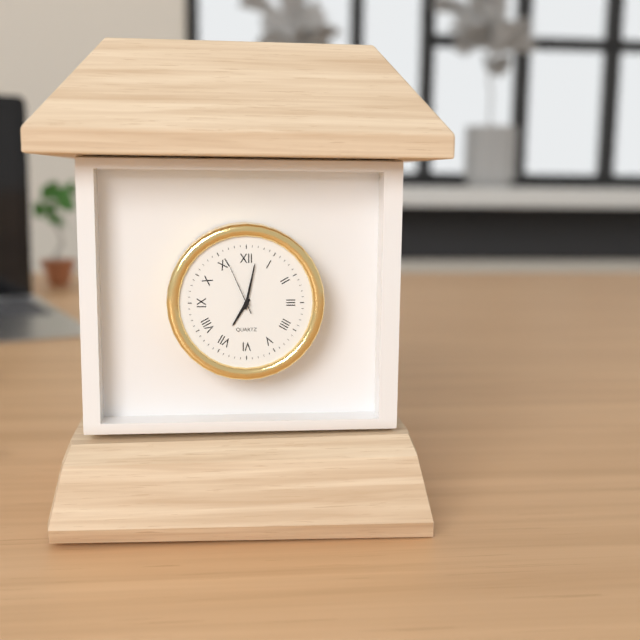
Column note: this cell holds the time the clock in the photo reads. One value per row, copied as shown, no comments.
7:02:56
